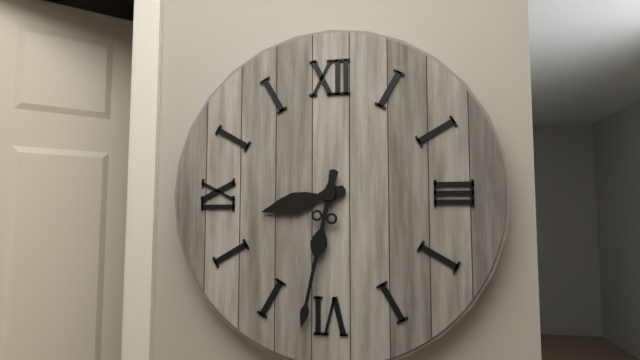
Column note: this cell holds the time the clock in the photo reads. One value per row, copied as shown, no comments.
8:32
